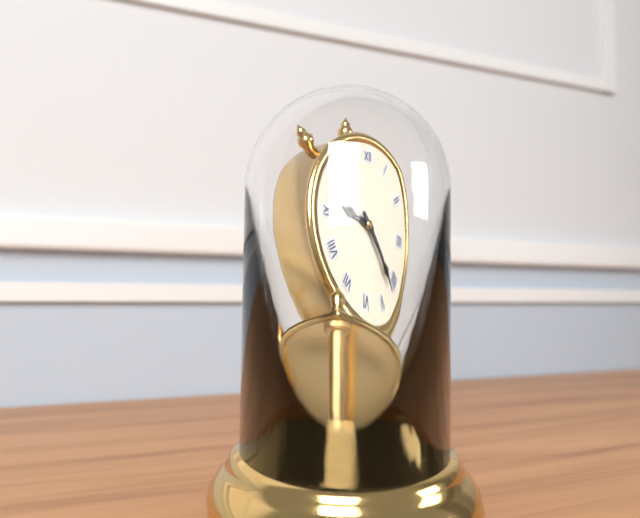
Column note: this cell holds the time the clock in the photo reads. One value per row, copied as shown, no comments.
9:22
